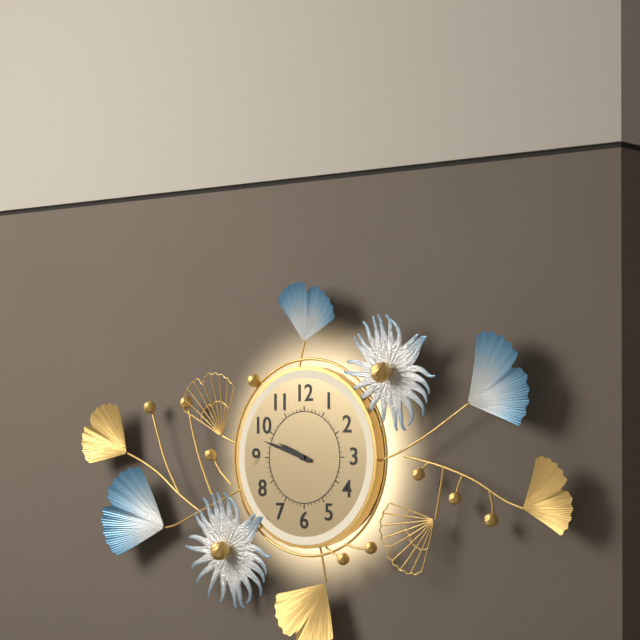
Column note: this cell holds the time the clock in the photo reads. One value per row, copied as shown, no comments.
9:48
